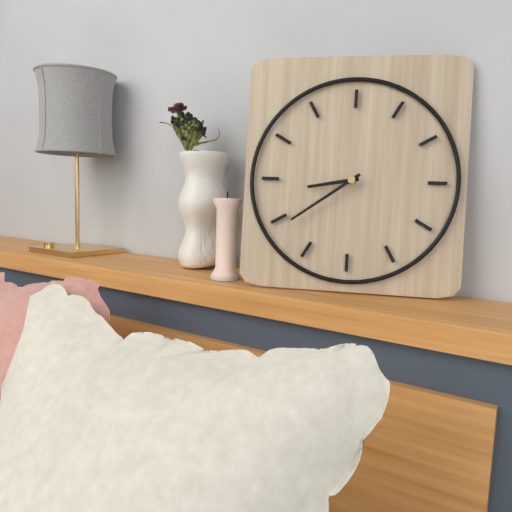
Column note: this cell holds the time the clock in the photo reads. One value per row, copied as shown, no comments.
8:39
